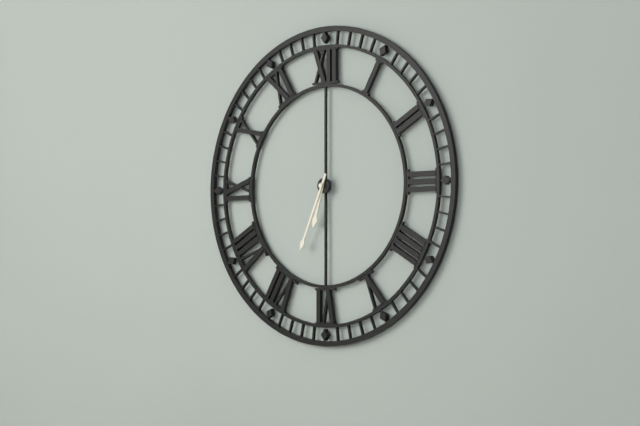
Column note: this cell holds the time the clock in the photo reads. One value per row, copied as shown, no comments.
6:34
